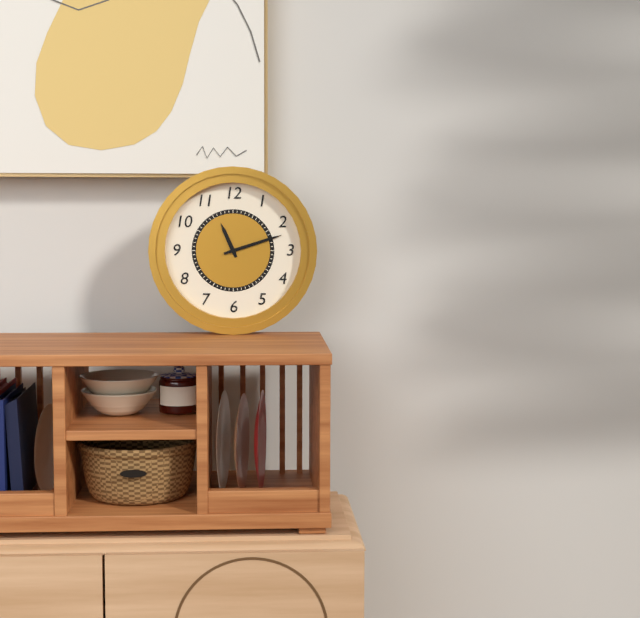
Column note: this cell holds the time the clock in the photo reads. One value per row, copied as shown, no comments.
11:12
